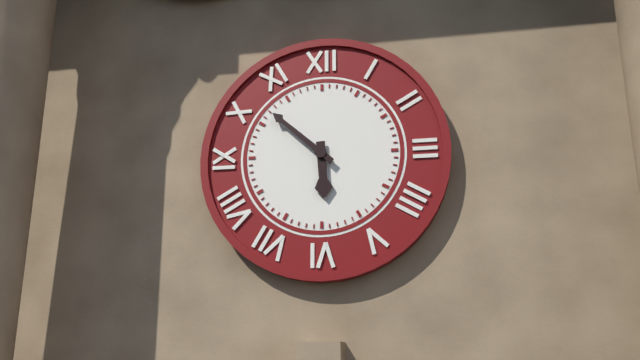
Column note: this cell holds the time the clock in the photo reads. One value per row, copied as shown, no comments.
5:52
